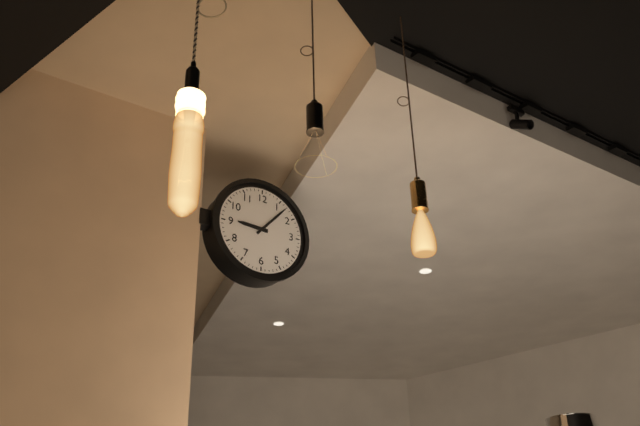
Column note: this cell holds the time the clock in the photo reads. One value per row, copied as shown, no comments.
9:07
